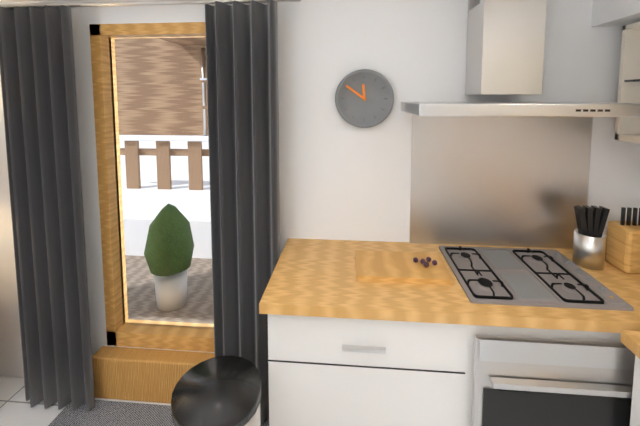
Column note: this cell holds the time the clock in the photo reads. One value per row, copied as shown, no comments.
11:51
